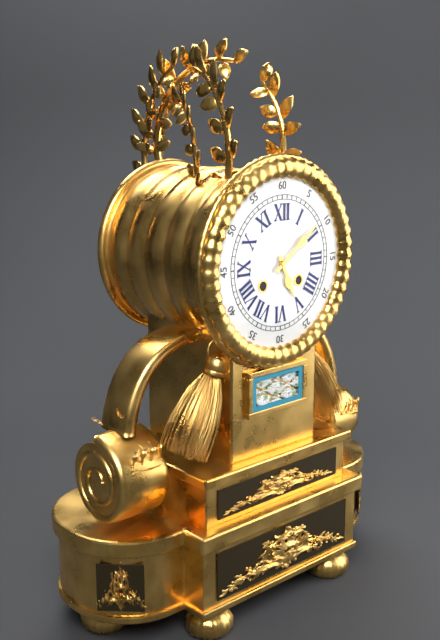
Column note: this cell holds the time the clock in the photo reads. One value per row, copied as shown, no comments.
5:09
